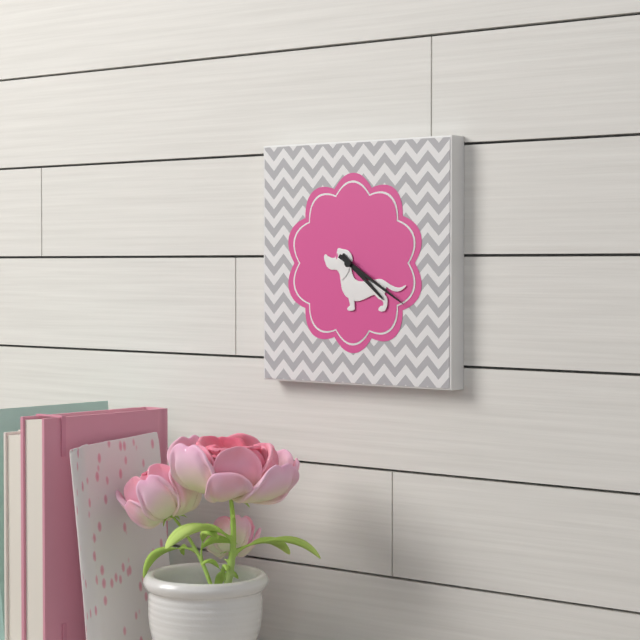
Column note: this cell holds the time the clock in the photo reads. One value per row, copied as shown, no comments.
4:20
